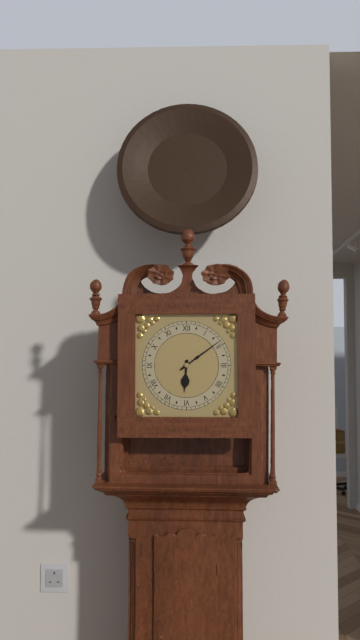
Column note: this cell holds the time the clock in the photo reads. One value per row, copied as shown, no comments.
6:09
